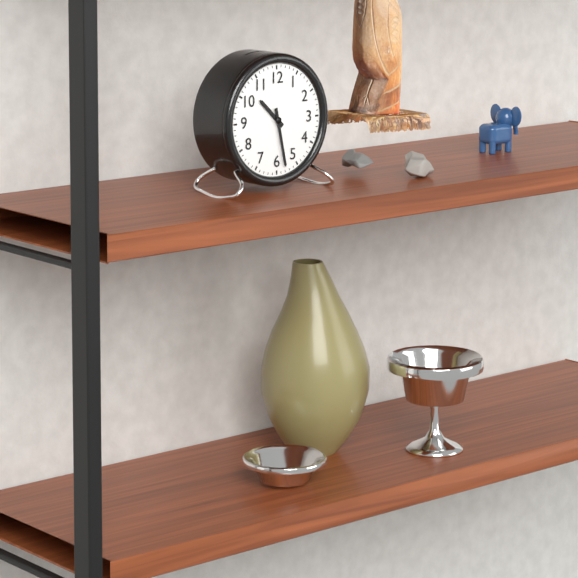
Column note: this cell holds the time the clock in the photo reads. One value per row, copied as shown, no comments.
10:28
